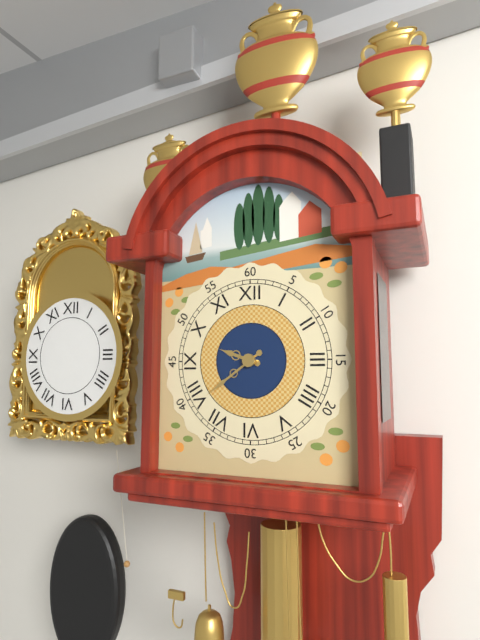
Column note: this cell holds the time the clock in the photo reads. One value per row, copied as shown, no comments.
9:39
